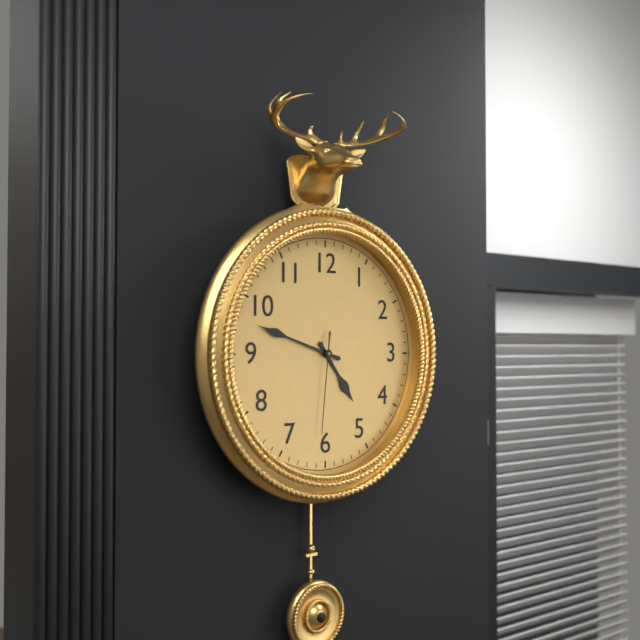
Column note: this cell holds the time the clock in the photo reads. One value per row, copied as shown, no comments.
4:48:31
